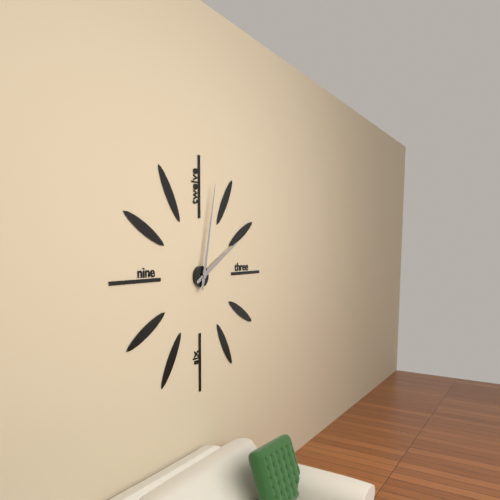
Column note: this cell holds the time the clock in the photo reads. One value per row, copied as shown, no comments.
2:02
